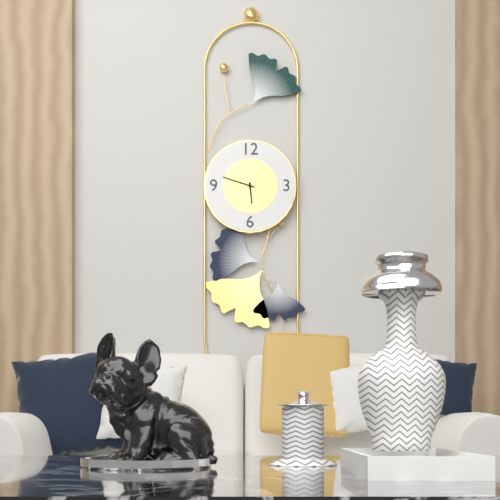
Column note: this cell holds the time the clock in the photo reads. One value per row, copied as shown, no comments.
5:48
